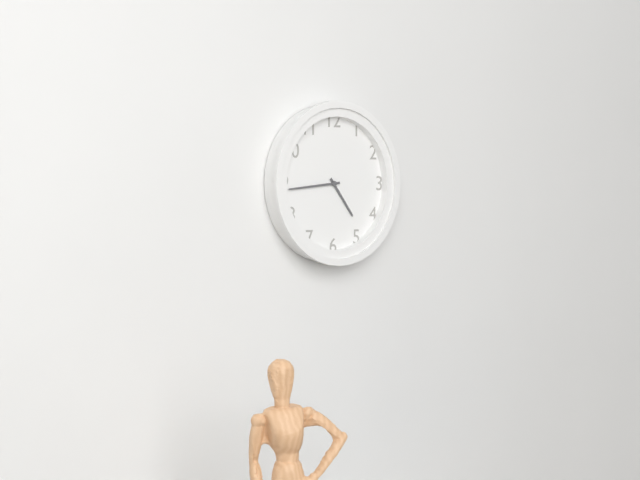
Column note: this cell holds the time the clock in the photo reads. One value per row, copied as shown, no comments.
4:44
